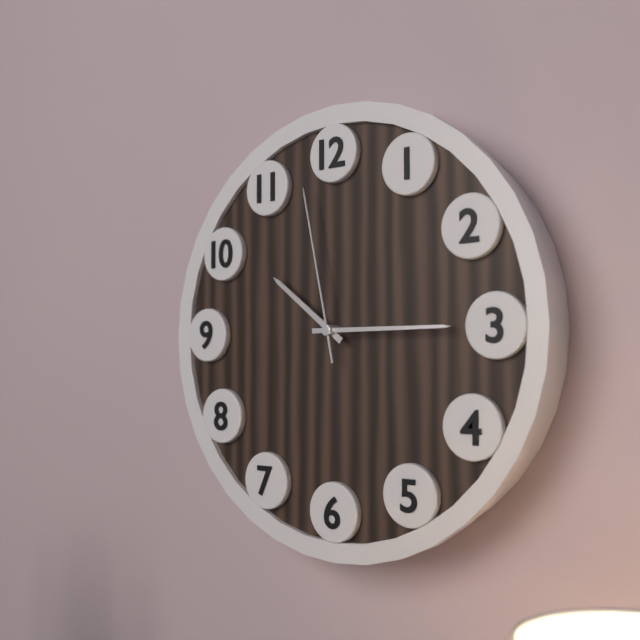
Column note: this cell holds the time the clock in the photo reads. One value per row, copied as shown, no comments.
10:15:58
